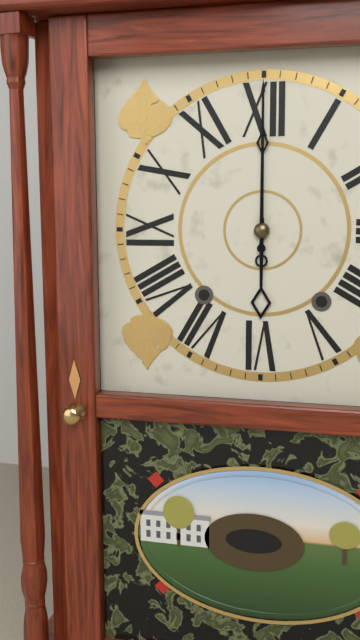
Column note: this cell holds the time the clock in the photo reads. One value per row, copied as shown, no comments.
6:00
